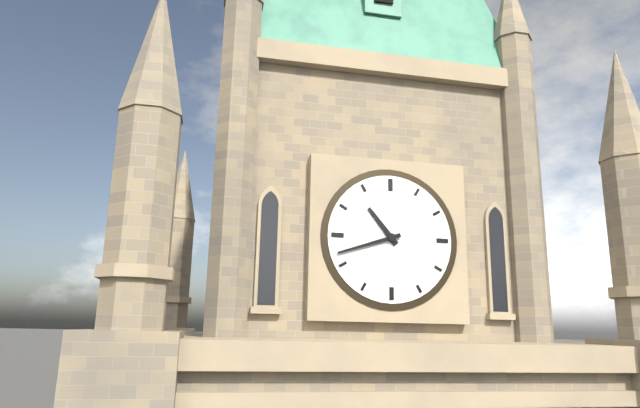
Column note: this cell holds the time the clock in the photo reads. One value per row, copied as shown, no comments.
10:42
